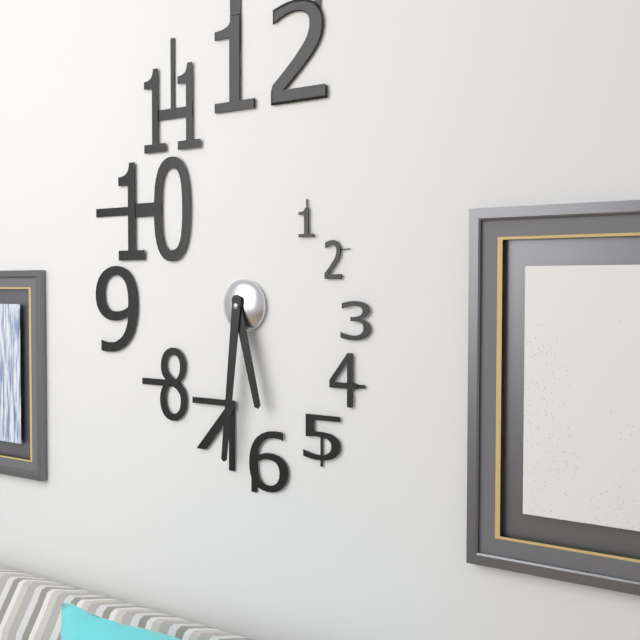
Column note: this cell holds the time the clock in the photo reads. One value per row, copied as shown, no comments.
5:31
